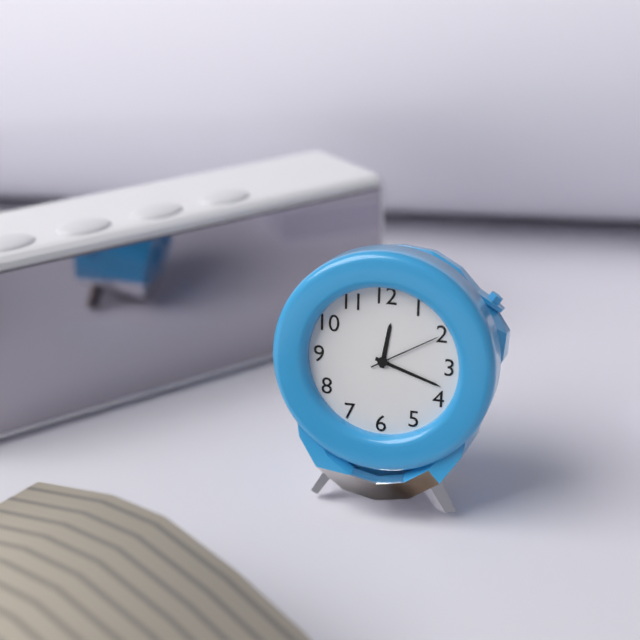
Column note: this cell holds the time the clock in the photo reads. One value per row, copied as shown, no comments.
12:18:10
